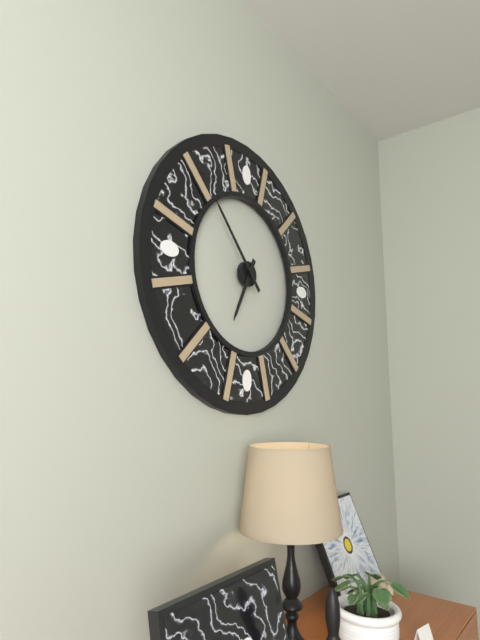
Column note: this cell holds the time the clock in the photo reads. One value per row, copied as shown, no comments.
6:53
